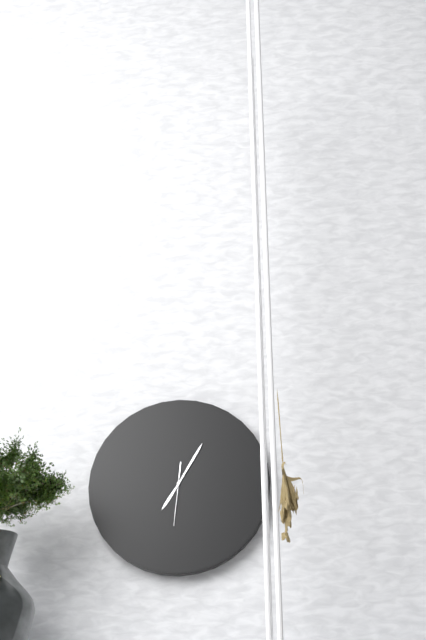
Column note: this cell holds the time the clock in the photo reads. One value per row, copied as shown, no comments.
7:05:31
